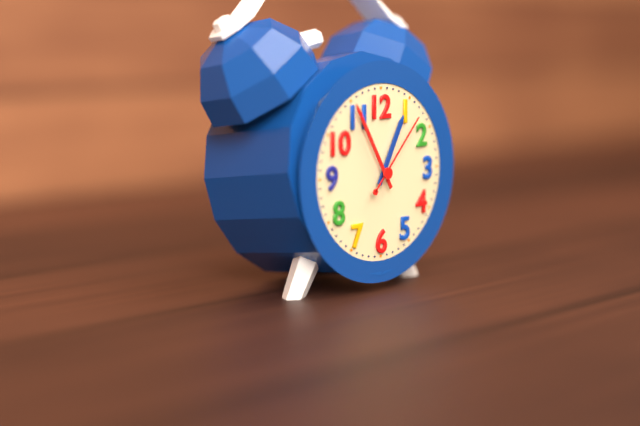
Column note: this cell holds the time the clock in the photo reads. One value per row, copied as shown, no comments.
12:55:07
